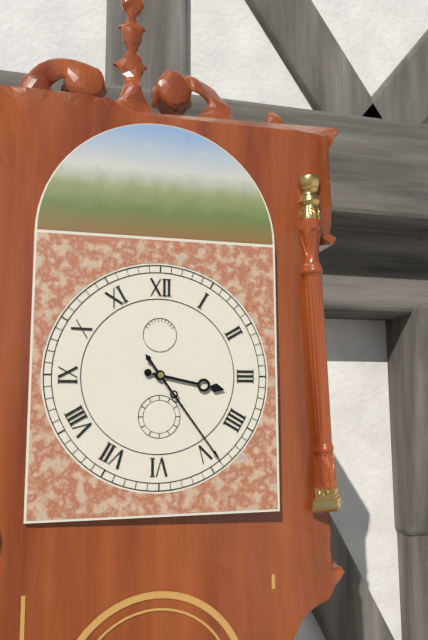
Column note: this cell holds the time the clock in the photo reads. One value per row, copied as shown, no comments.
3:24
